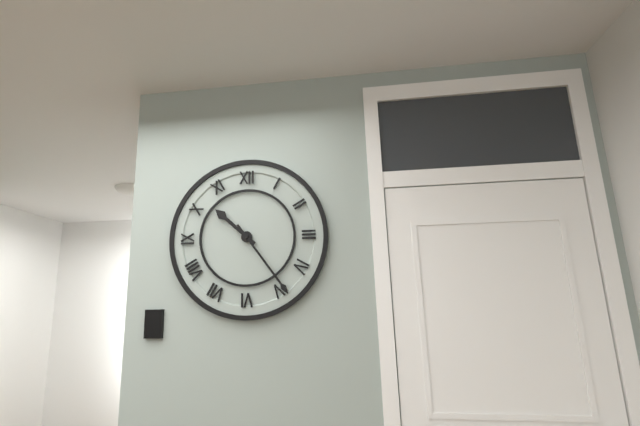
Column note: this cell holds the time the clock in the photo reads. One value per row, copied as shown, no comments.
10:24
